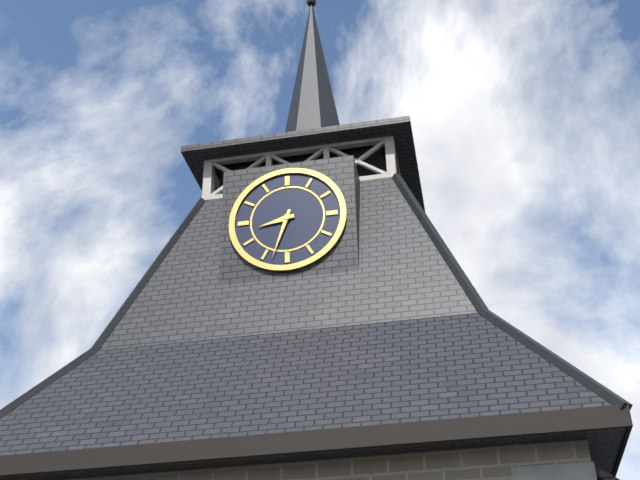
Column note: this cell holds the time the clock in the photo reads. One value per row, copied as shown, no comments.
8:33
